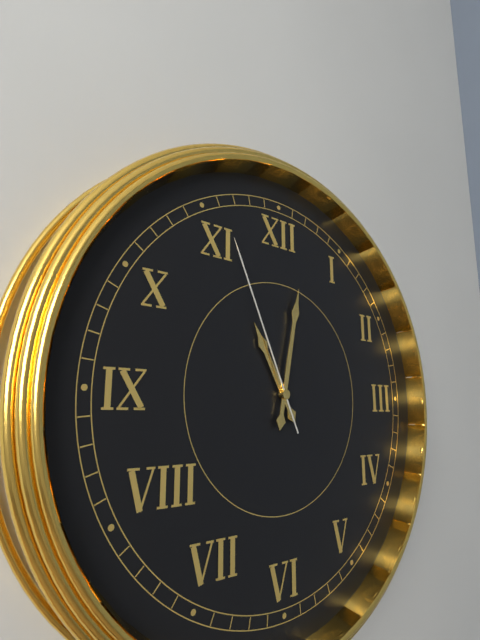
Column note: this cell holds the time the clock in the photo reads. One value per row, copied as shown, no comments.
11:02:56
